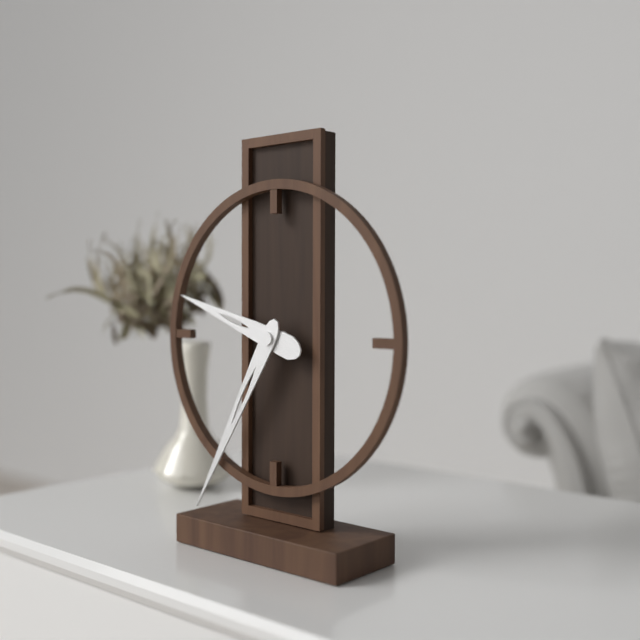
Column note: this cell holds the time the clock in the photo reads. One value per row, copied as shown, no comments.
9:35
